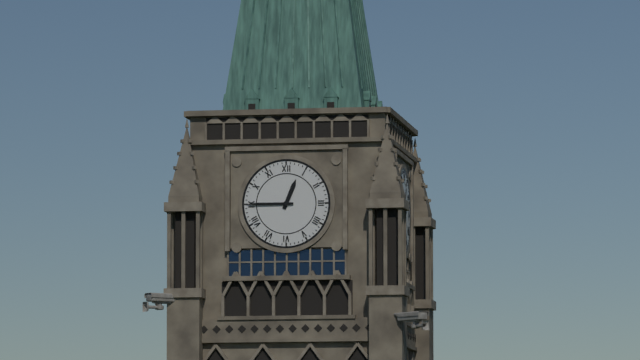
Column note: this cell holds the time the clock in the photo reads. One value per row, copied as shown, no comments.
12:45
